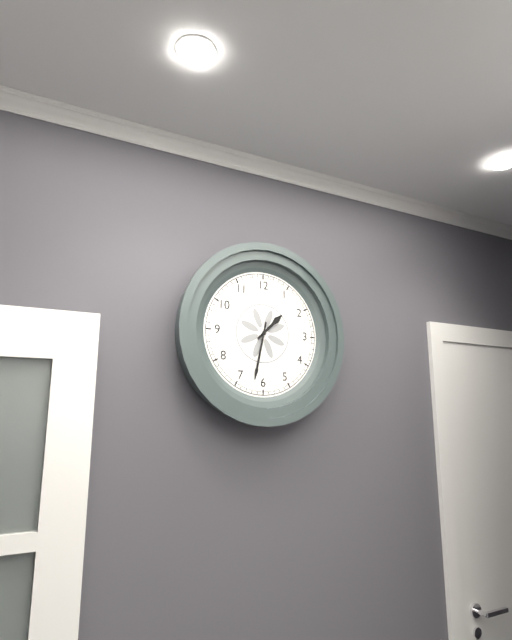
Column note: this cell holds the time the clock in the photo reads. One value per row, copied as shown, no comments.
1:32
